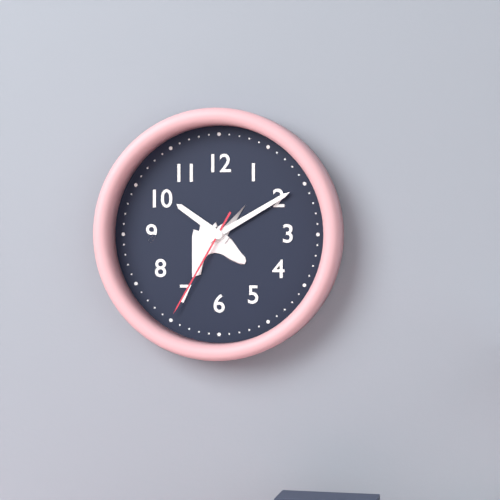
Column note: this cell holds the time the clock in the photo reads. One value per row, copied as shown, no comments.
10:10:35
